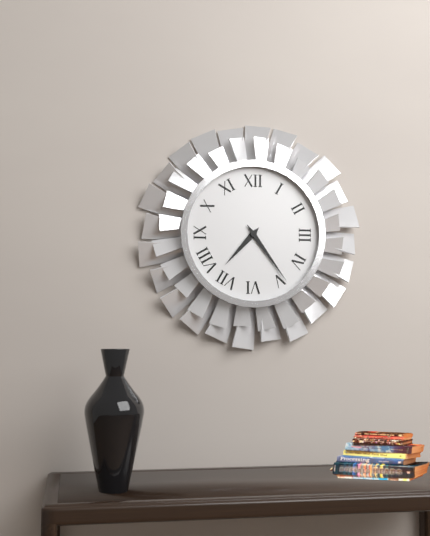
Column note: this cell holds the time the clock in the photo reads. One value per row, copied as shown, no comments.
7:24
